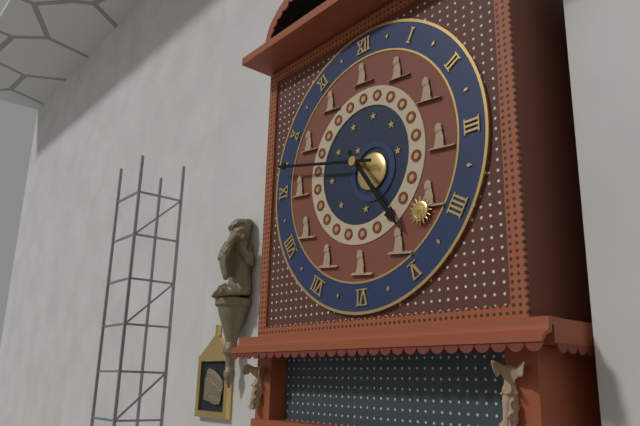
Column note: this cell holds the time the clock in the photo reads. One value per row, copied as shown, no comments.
4:47
